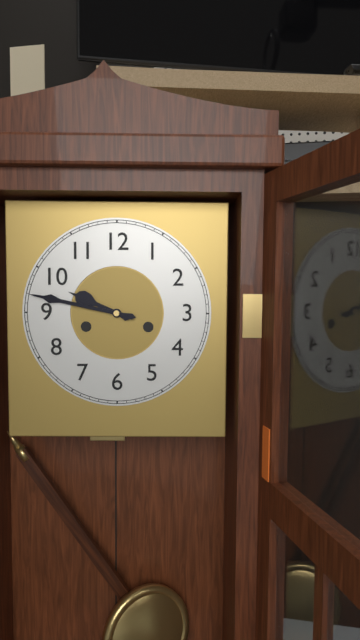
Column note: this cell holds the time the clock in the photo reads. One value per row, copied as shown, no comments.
9:47
